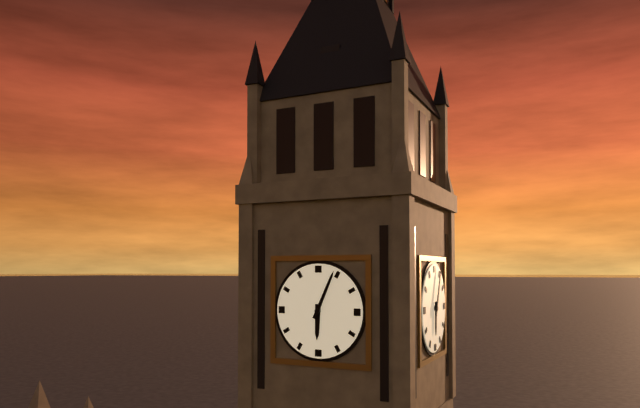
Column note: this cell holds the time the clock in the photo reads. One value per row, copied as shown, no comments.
6:04
